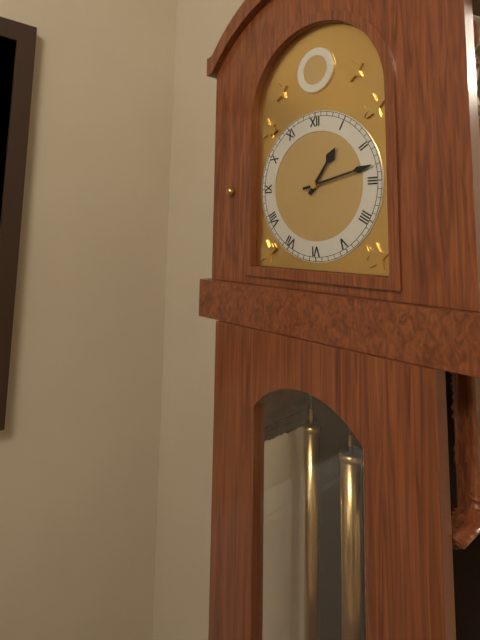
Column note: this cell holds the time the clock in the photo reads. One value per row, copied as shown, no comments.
1:13
